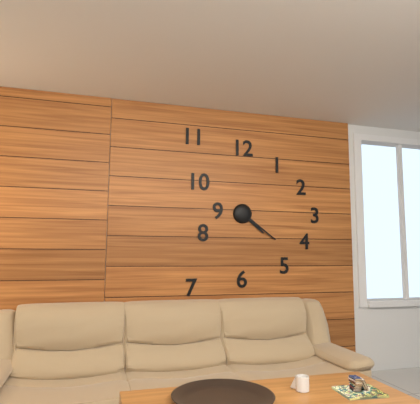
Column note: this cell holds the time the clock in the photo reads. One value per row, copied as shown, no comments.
4:21
